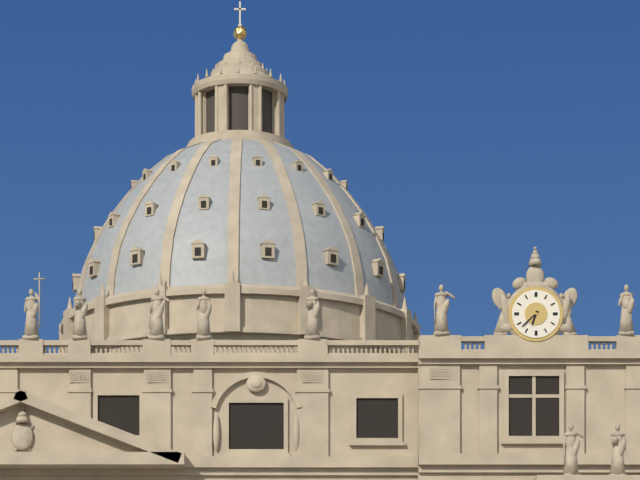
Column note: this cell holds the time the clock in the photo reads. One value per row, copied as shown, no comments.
6:38
